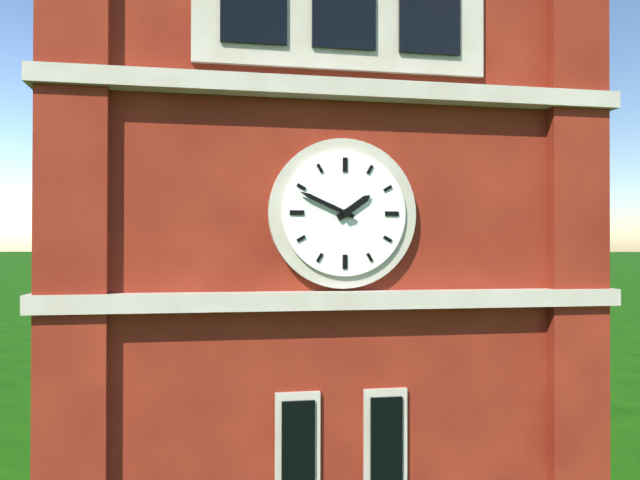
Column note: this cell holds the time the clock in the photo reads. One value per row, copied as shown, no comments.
1:49
